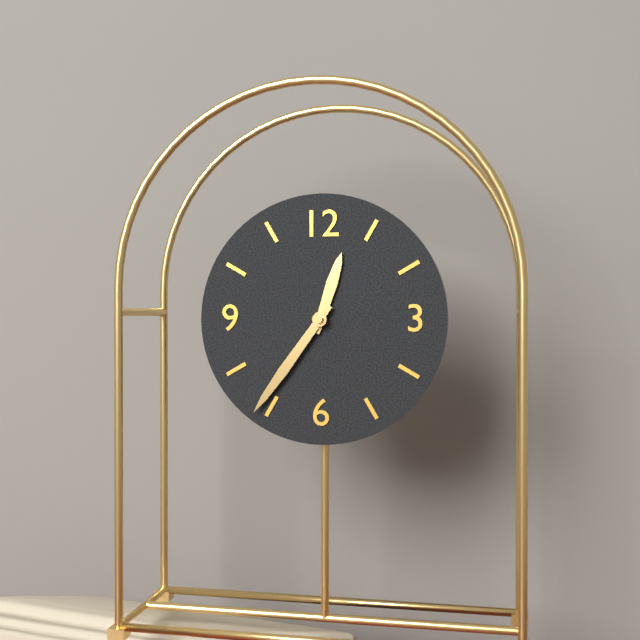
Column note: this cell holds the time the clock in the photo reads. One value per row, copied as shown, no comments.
12:36
